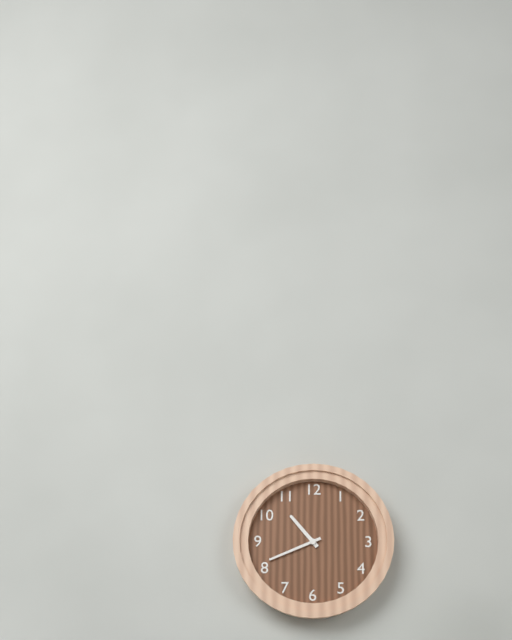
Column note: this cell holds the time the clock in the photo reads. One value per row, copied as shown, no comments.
10:41
